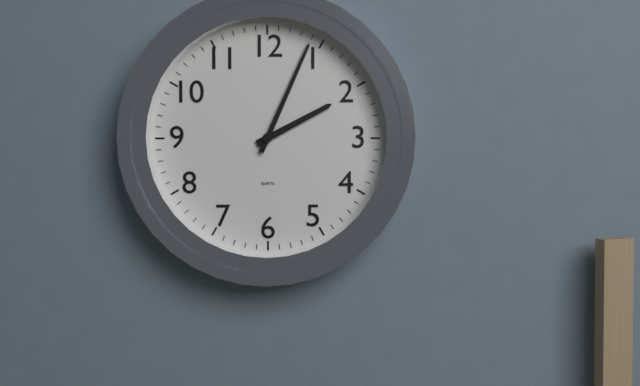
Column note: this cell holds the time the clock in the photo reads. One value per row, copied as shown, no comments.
2:04
